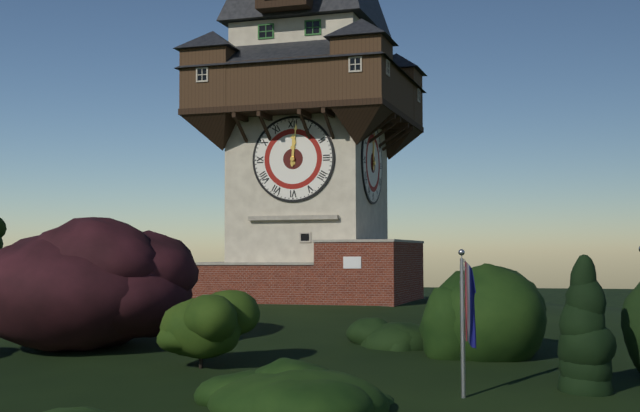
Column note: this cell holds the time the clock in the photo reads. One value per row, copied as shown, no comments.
12:01
